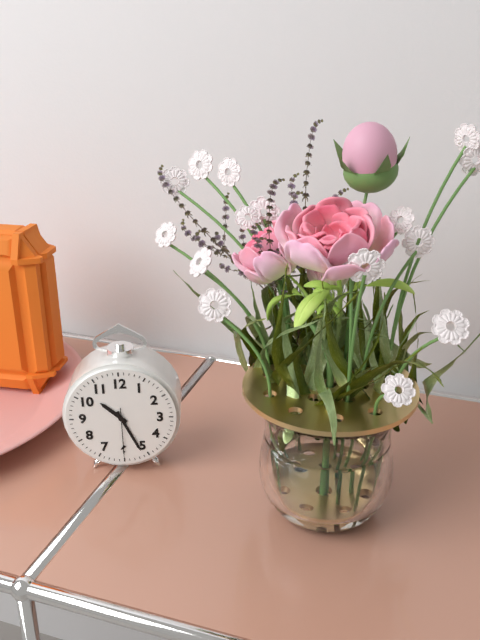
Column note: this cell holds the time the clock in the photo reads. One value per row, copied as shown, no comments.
10:26
